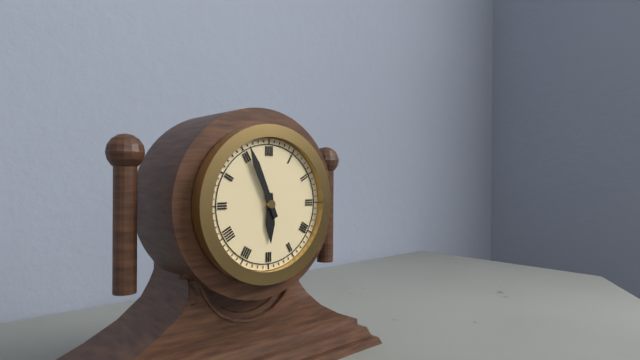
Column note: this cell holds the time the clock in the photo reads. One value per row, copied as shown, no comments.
5:56
